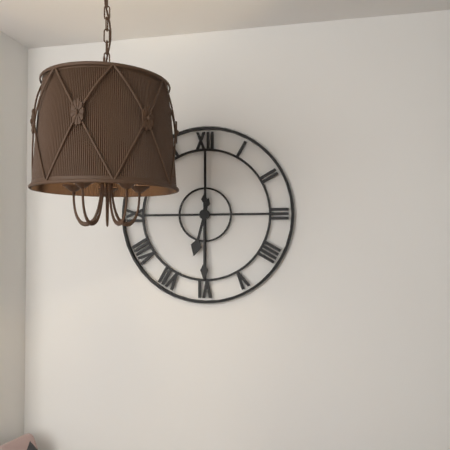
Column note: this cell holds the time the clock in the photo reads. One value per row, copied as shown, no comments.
6:30
